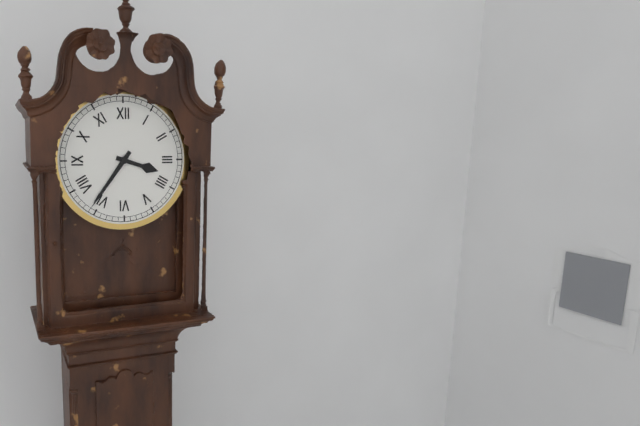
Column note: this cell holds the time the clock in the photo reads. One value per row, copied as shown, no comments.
3:36
